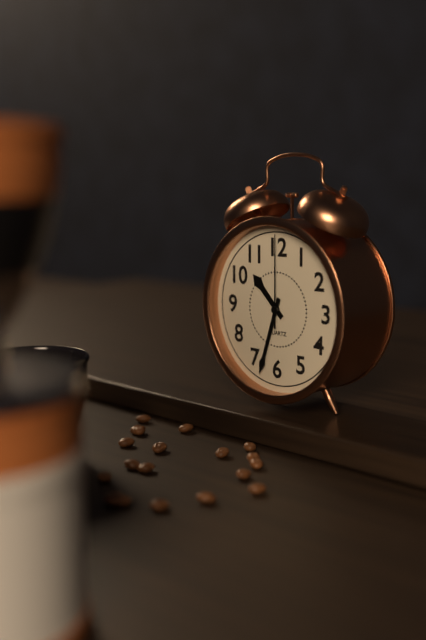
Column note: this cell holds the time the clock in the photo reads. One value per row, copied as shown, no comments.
10:33:00
